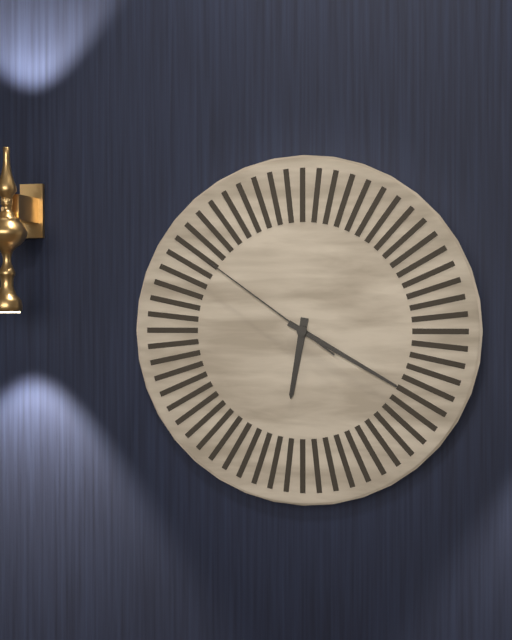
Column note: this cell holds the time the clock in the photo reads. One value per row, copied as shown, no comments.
6:20:51
